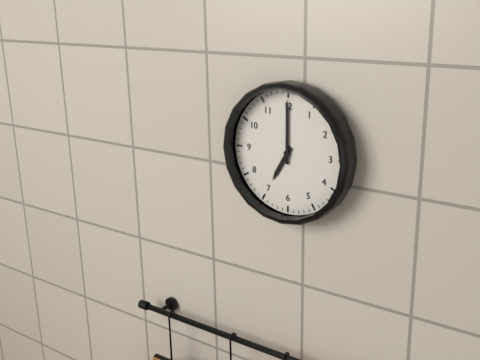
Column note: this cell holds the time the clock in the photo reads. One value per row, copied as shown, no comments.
7:00
